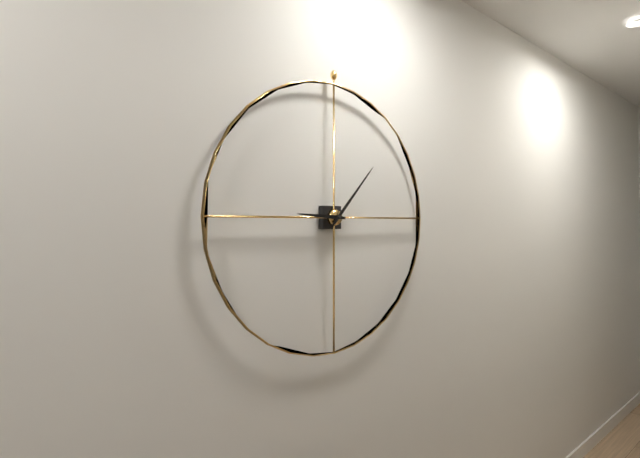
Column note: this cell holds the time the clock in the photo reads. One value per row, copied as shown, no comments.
9:07
